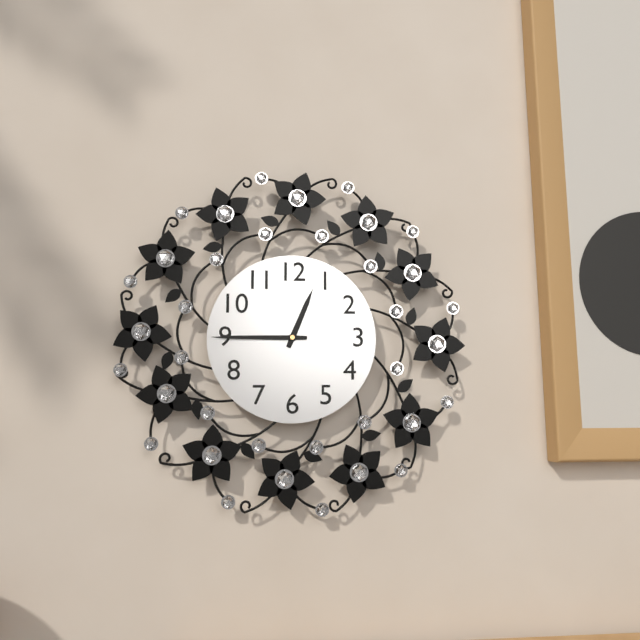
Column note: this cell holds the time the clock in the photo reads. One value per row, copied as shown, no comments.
12:45
